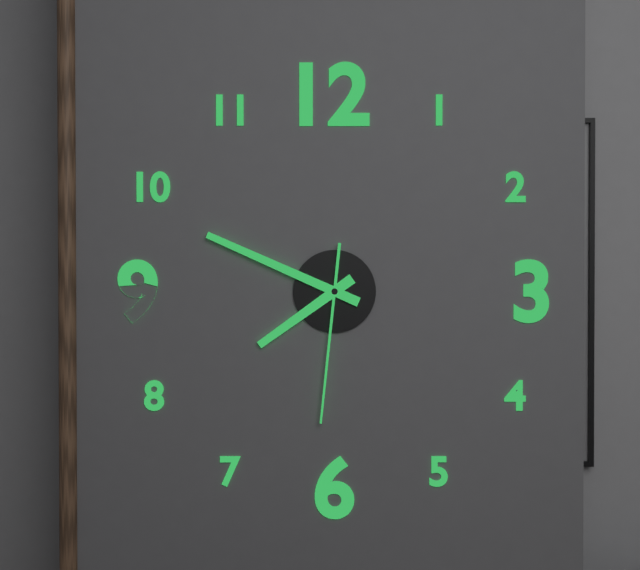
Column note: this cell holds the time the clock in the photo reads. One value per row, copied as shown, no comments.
7:49:31
